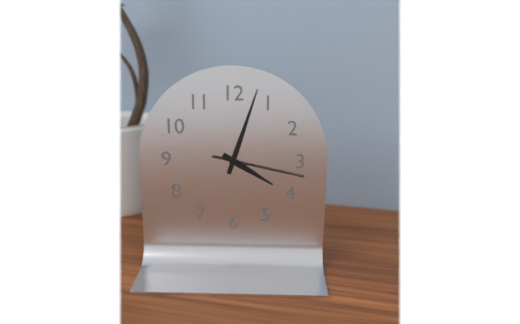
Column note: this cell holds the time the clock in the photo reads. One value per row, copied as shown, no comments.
4:03:17
